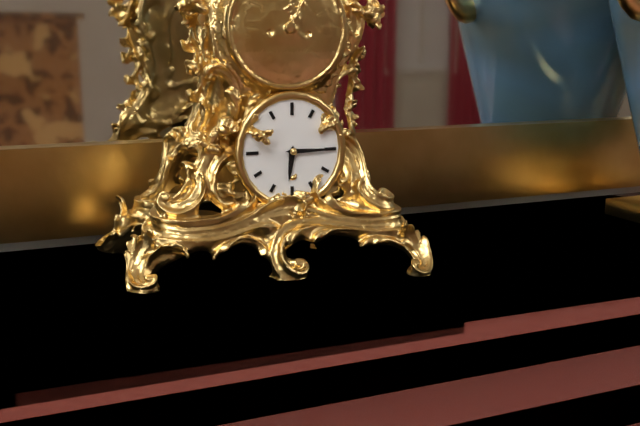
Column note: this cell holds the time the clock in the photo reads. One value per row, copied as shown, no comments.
6:15
